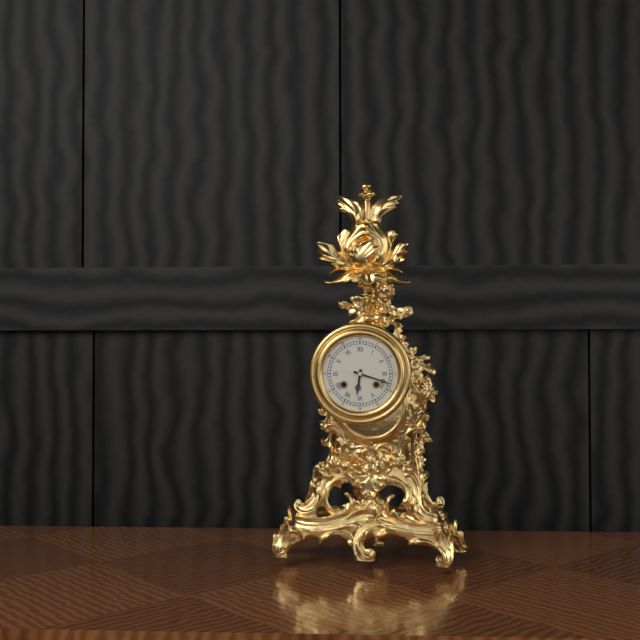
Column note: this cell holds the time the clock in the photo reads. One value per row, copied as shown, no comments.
6:18
